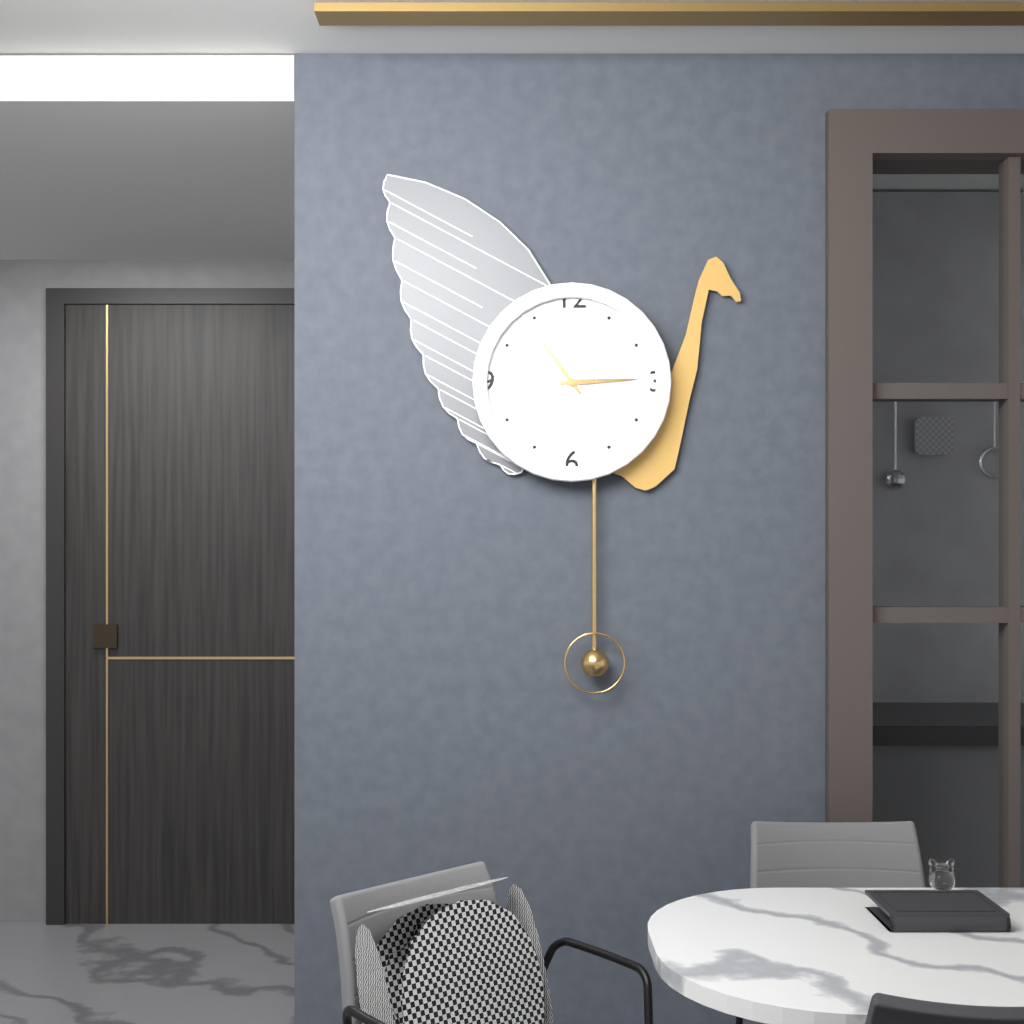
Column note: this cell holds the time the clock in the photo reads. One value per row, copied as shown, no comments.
2:54
